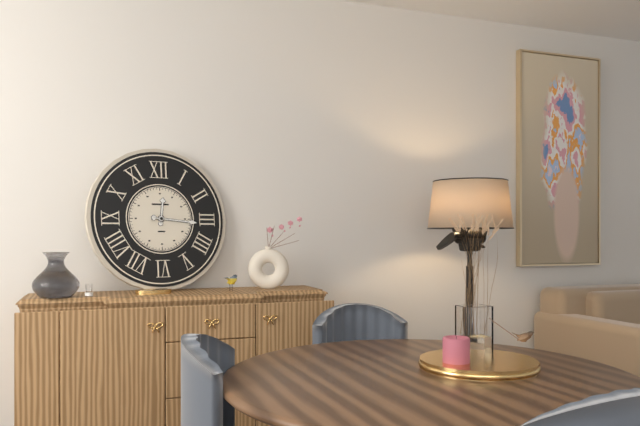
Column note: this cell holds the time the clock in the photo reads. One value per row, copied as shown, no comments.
12:16
